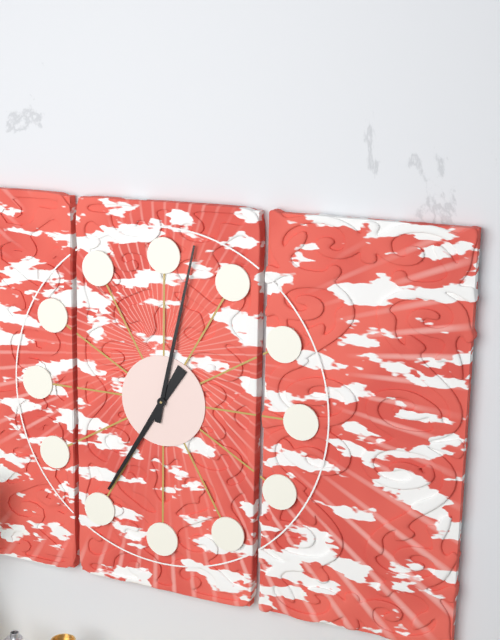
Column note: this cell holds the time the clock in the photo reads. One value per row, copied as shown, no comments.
7:02
